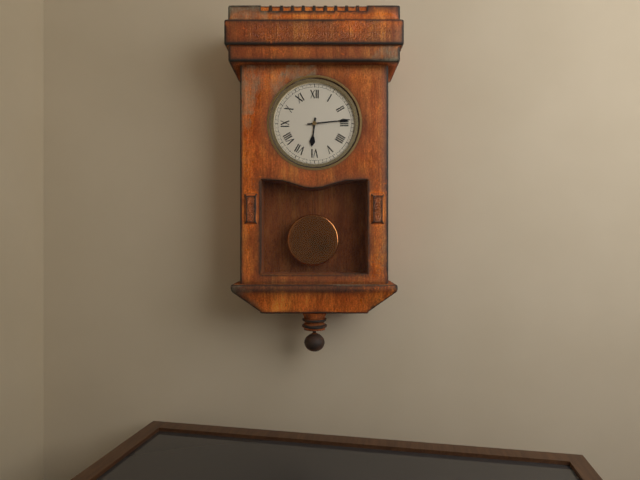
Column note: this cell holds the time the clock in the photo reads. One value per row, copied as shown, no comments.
6:14
